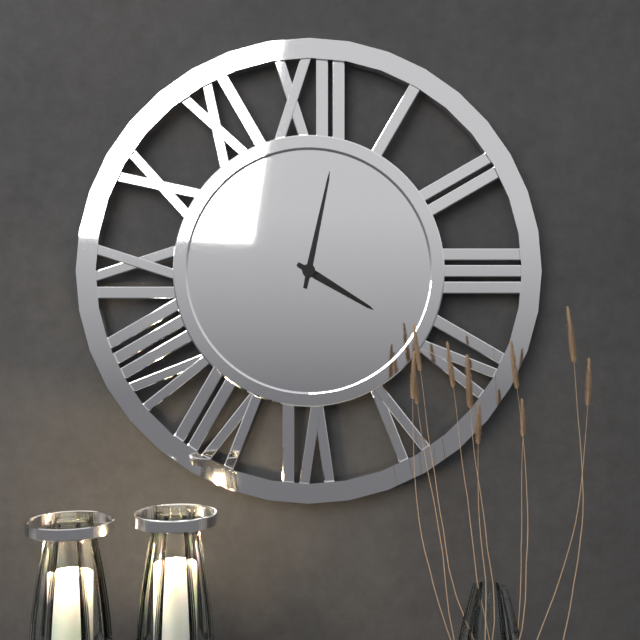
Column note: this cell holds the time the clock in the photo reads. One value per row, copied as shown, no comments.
4:02
